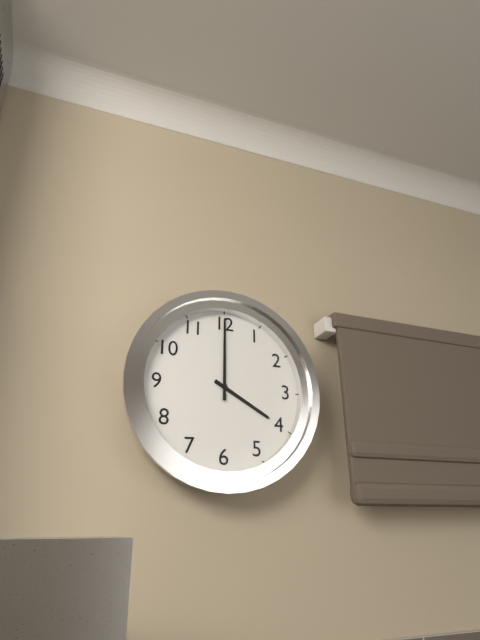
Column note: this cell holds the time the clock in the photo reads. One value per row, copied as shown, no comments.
4:00
